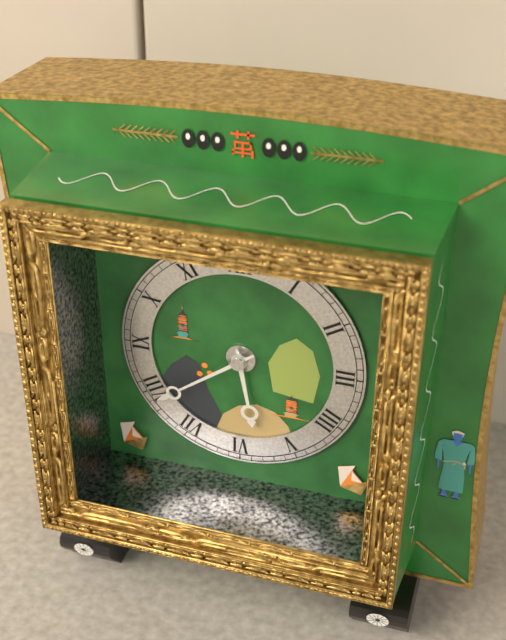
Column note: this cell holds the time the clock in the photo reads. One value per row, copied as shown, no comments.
5:39
